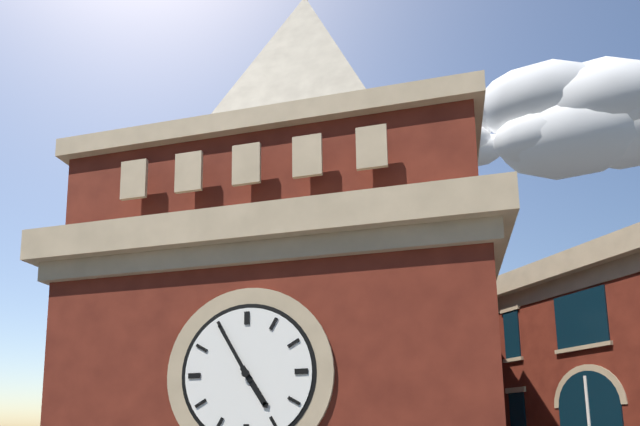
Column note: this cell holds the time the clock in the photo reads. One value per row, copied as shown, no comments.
4:55
